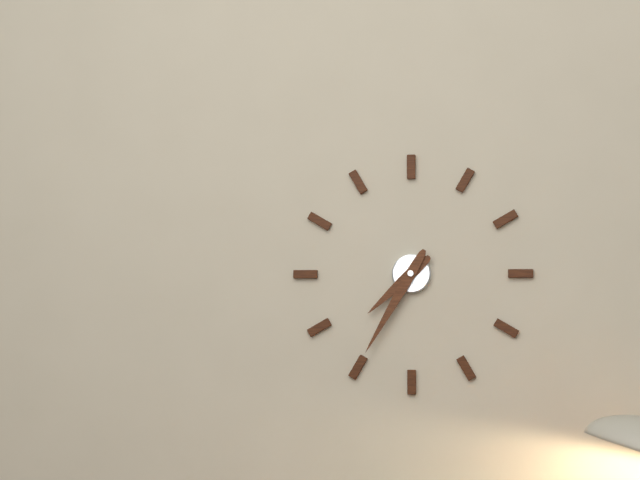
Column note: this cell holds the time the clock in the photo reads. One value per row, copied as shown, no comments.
7:35
